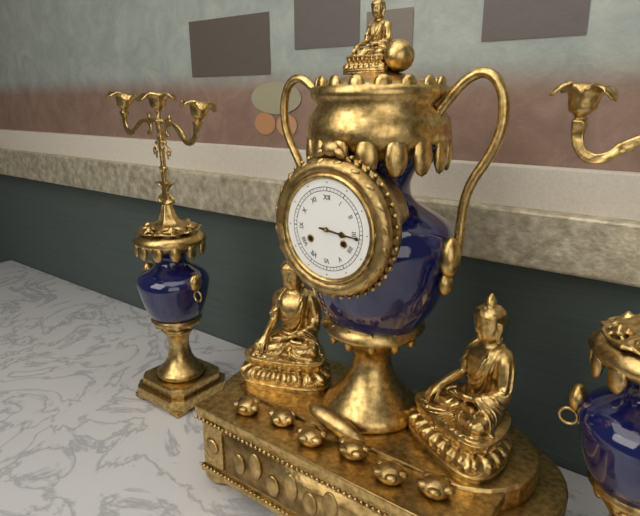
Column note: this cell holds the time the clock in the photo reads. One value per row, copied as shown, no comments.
3:16
